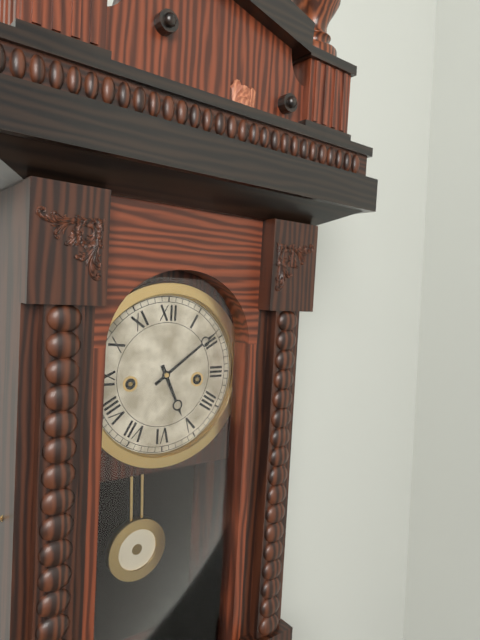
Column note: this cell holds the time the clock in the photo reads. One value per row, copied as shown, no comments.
5:09
